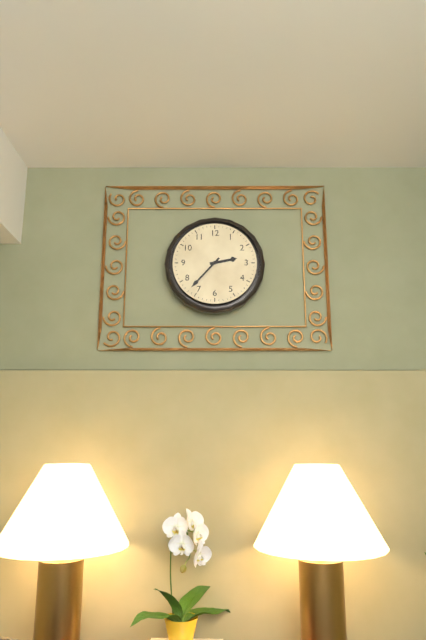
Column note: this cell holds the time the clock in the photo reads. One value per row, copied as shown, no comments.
2:37
